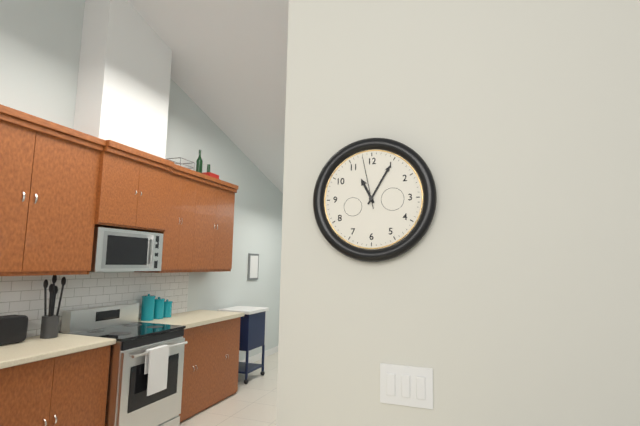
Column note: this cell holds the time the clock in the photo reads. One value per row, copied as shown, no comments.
11:05:58
